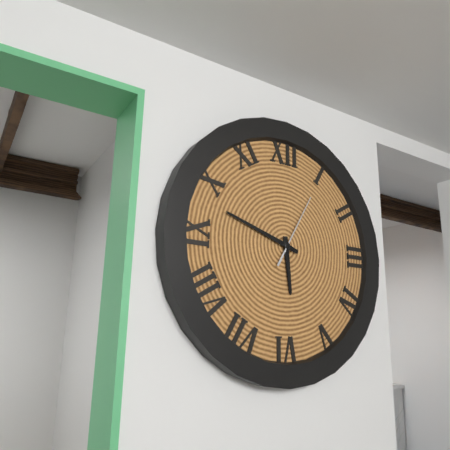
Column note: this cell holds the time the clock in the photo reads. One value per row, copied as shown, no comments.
5:48:05
